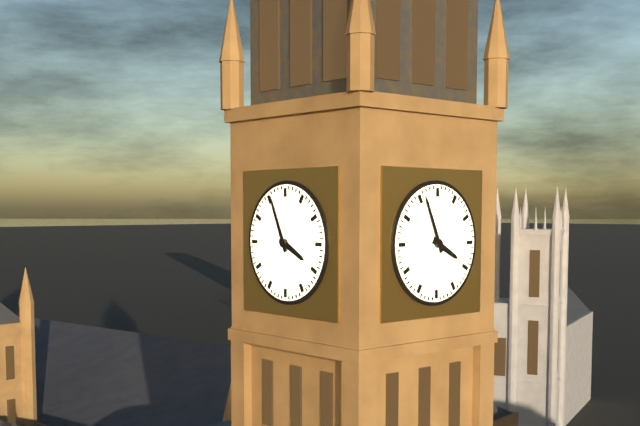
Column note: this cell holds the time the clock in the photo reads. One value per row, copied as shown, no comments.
3:56
